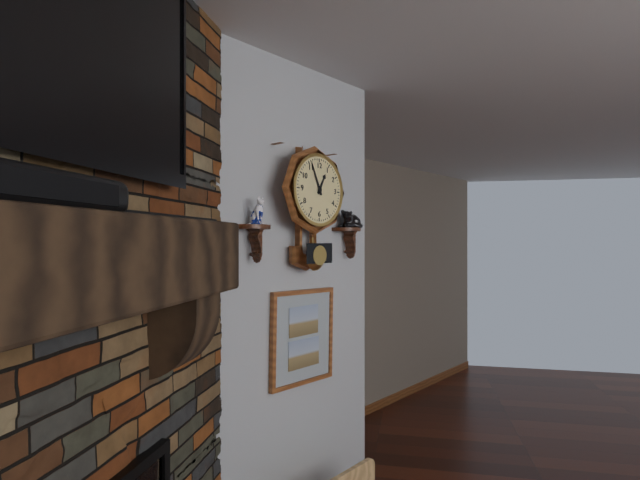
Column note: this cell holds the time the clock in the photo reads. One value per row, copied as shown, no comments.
12:56
